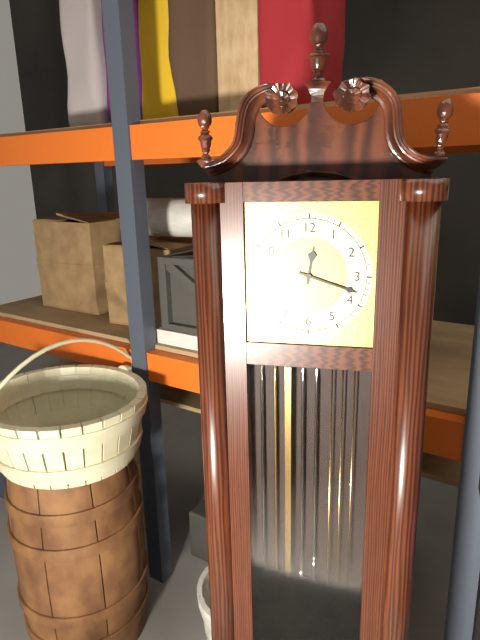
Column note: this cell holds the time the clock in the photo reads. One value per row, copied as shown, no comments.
12:18
